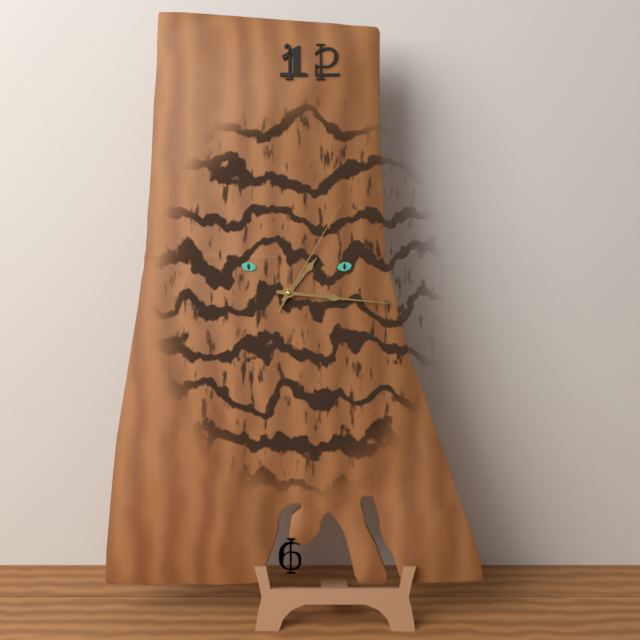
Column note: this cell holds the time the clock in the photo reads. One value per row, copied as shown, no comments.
1:16:05
